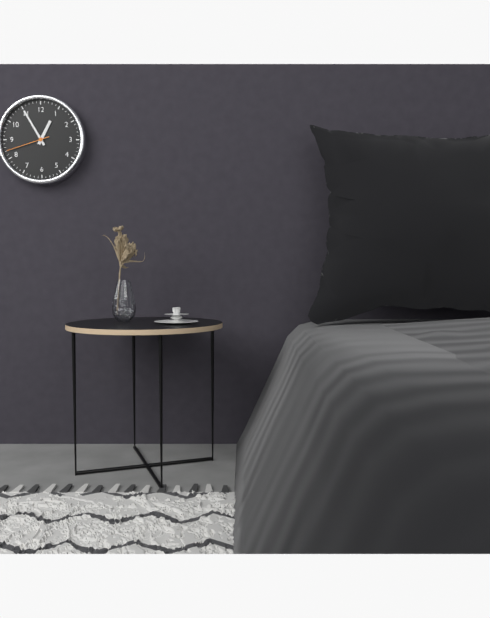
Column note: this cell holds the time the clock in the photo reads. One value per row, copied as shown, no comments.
12:55
